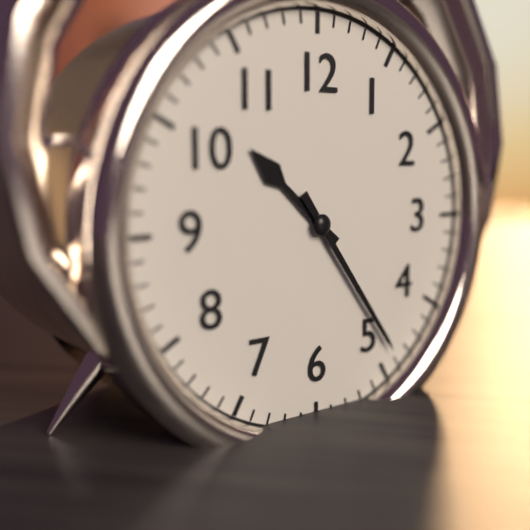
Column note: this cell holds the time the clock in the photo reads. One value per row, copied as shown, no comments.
10:24
